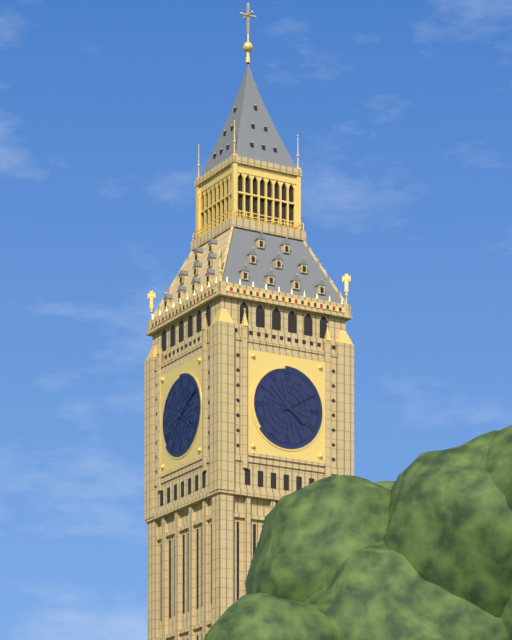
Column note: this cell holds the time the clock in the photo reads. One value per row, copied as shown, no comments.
4:10
